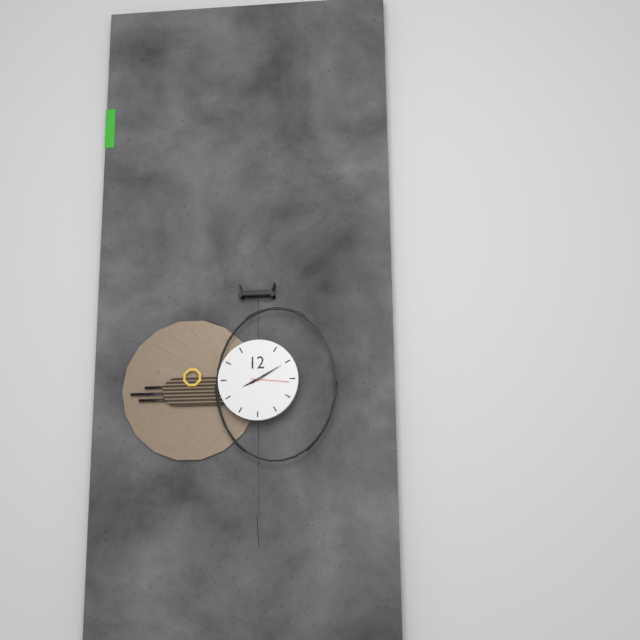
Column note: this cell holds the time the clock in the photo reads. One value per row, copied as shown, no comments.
8:10
